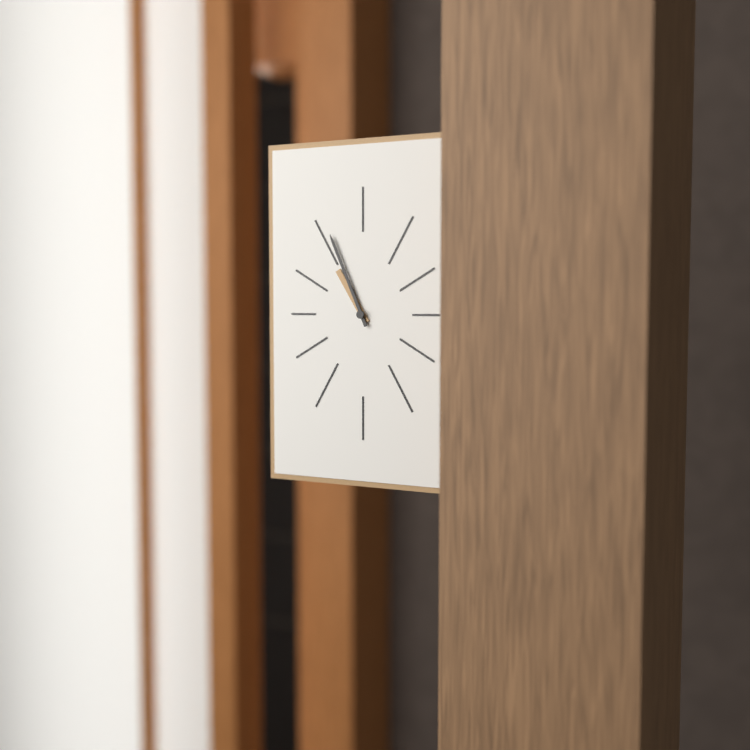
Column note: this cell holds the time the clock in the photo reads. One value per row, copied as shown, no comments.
10:56
